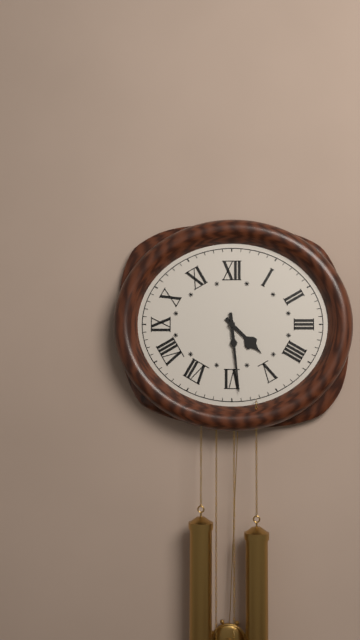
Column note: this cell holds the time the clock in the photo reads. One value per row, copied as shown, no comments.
4:29
